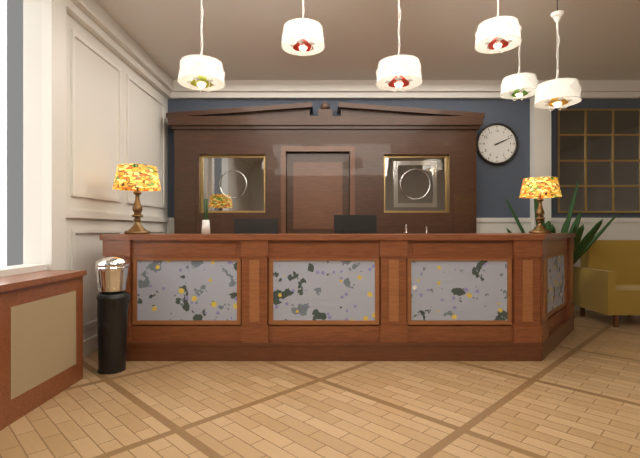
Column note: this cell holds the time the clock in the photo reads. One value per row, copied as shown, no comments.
2:11
